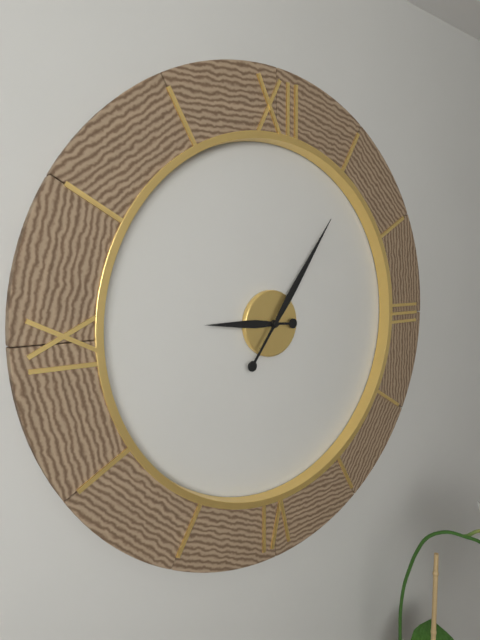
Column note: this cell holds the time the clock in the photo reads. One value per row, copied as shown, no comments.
9:06
